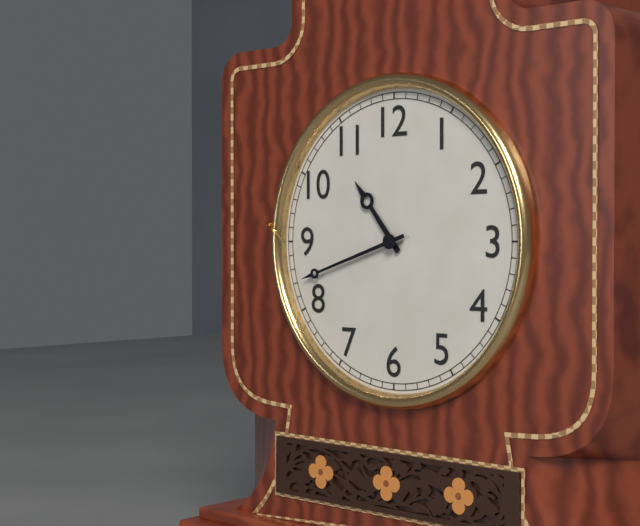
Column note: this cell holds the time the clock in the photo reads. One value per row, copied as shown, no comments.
10:42
